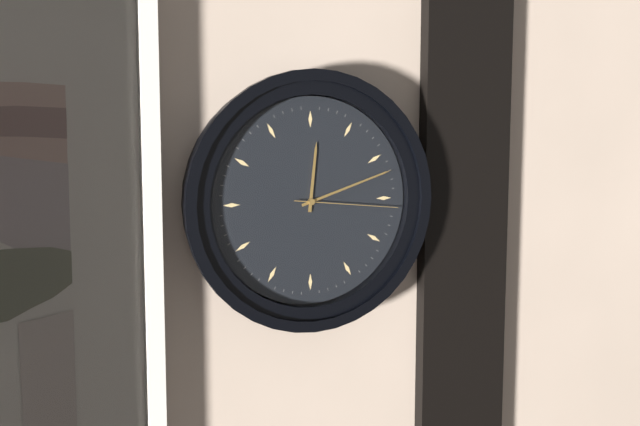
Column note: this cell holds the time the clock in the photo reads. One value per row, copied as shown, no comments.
12:12:16
